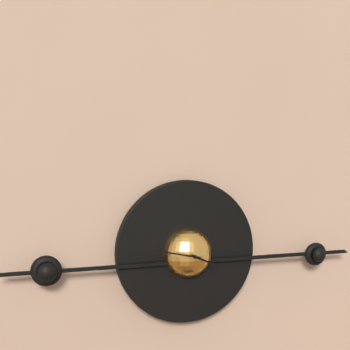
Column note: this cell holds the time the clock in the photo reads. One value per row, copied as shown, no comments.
3:47
